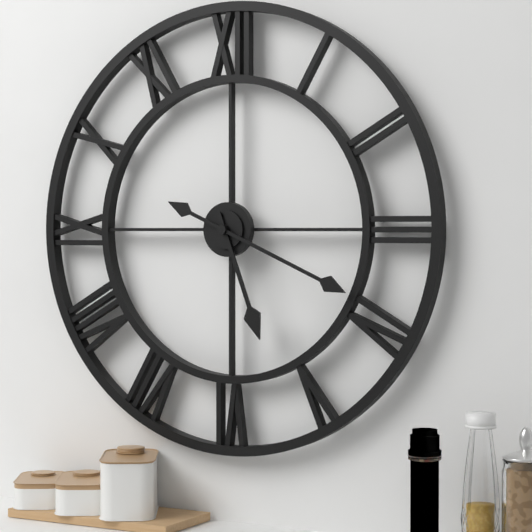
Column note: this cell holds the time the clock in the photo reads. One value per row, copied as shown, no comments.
5:19
